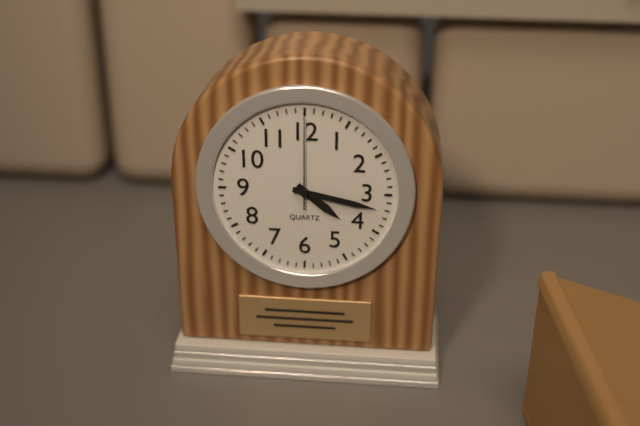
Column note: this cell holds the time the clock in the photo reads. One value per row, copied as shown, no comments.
4:17:00
